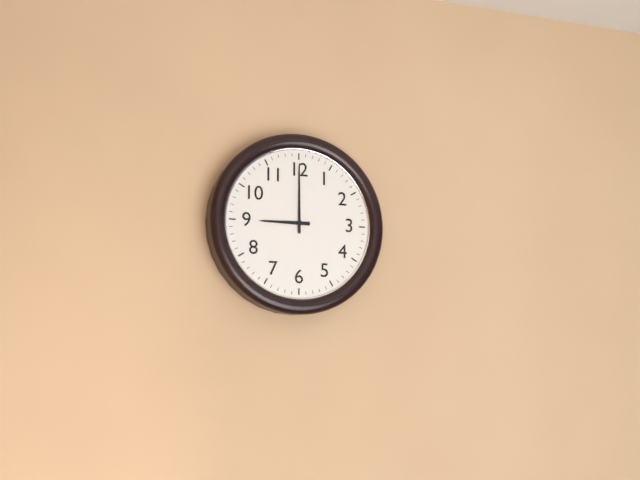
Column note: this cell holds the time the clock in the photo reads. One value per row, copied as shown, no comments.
9:00
